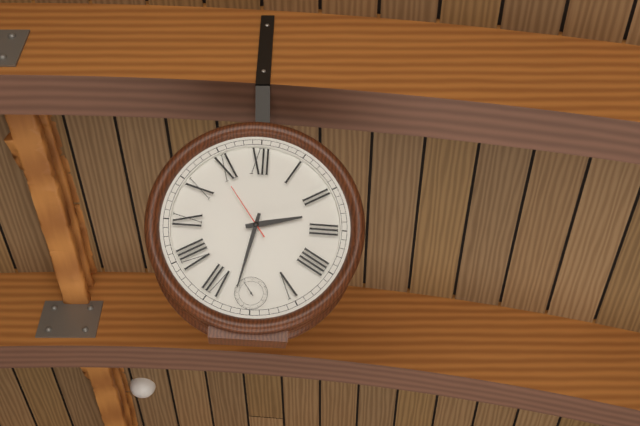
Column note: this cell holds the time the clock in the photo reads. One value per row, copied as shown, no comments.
2:32:54
